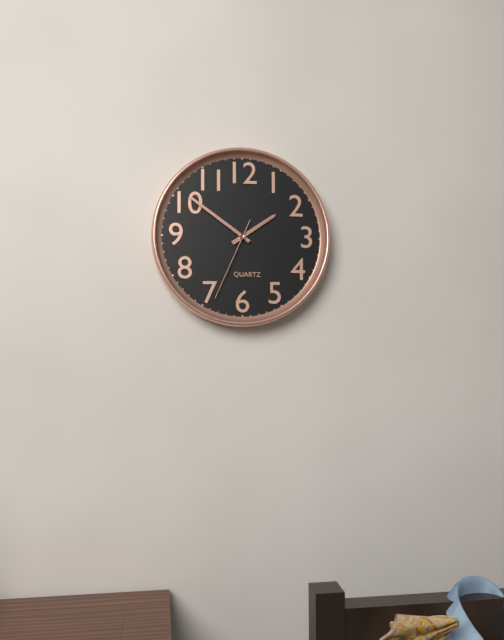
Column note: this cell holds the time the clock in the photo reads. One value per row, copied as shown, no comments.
1:51:34
